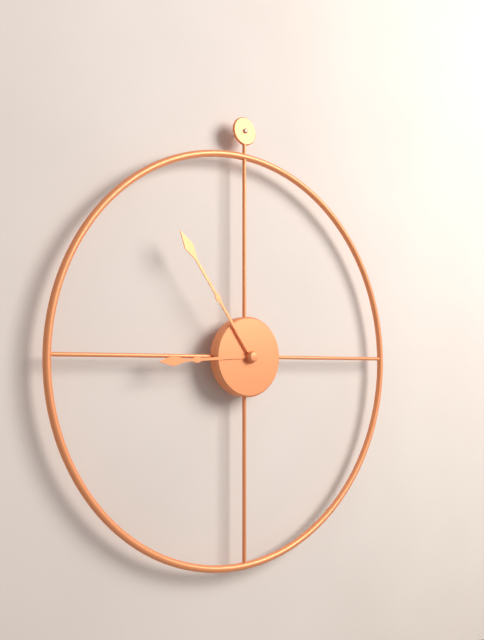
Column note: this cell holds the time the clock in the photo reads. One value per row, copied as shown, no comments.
8:54
